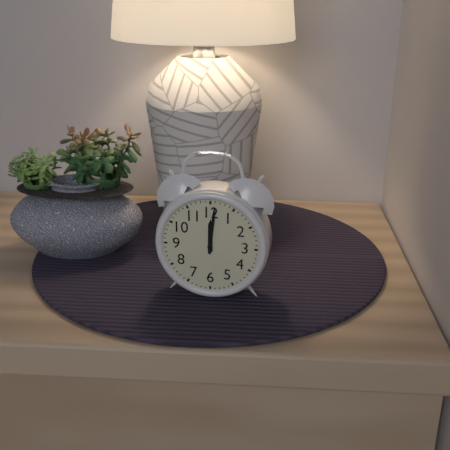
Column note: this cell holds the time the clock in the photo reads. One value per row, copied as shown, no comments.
12:01
